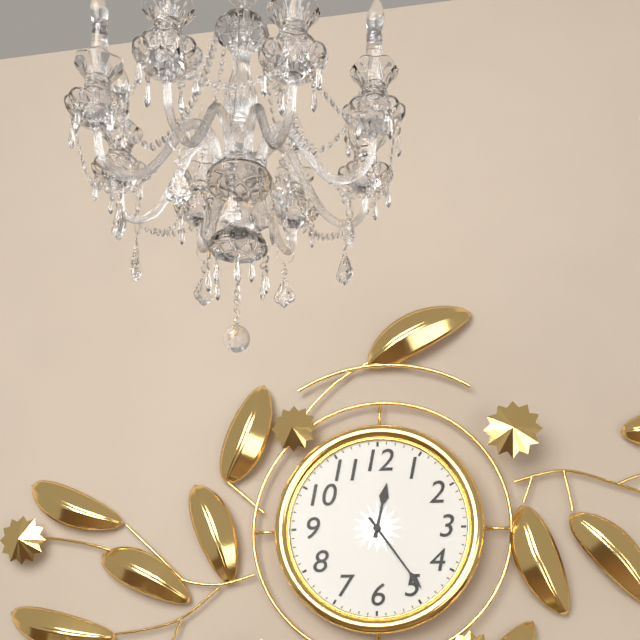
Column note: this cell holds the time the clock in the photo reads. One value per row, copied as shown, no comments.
12:24
